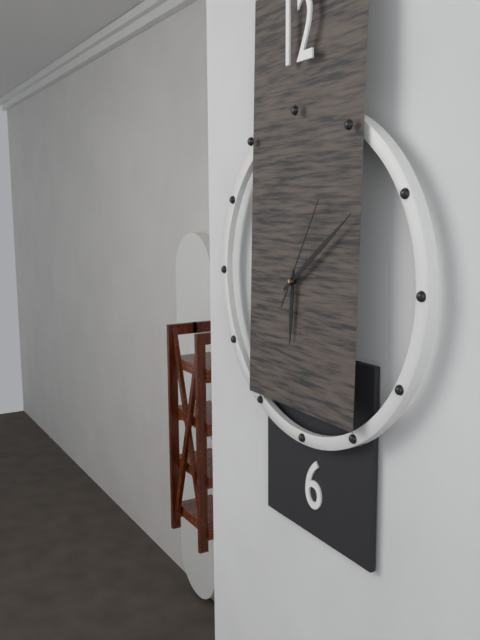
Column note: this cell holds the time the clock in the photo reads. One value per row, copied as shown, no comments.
6:09:05
